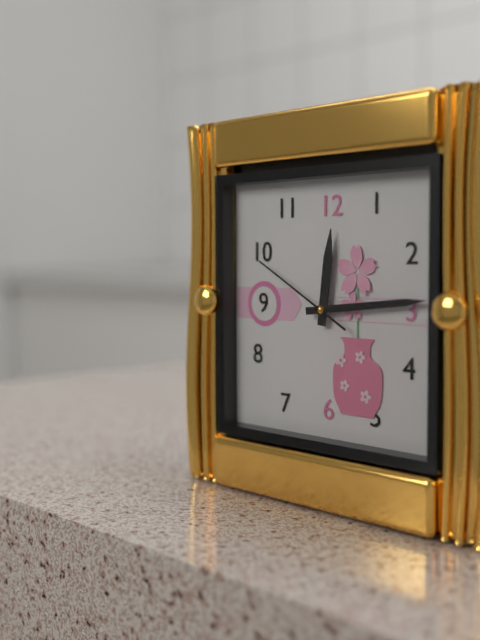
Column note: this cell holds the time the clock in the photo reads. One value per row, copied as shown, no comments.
12:14:50
